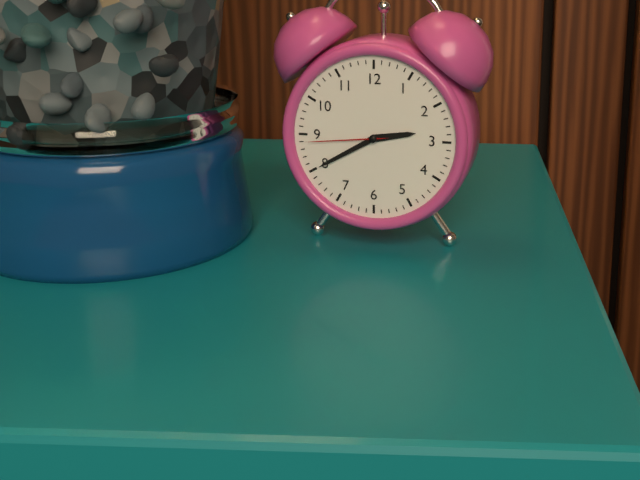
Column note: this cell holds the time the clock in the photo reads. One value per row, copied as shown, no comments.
2:40:44
